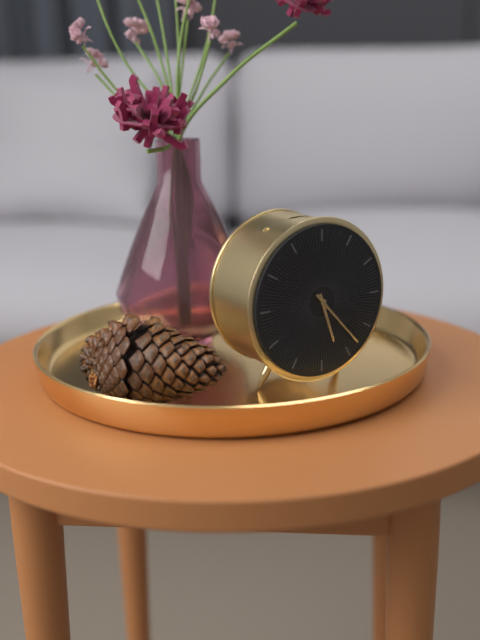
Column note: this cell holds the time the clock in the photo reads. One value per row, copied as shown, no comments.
5:23
